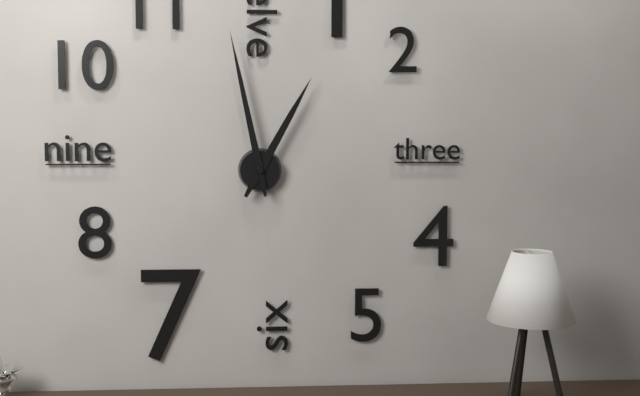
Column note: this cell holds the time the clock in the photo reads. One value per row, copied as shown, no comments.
12:58
